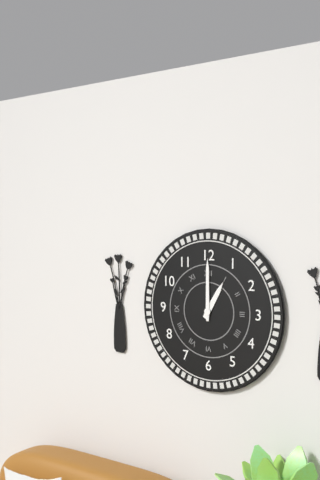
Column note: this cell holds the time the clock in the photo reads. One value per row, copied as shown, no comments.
1:00
